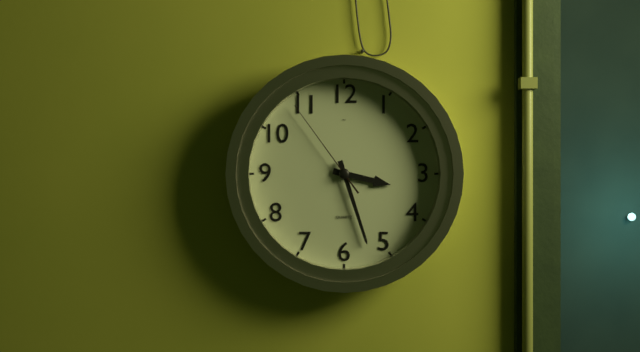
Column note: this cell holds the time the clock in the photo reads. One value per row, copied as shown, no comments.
3:27:54
